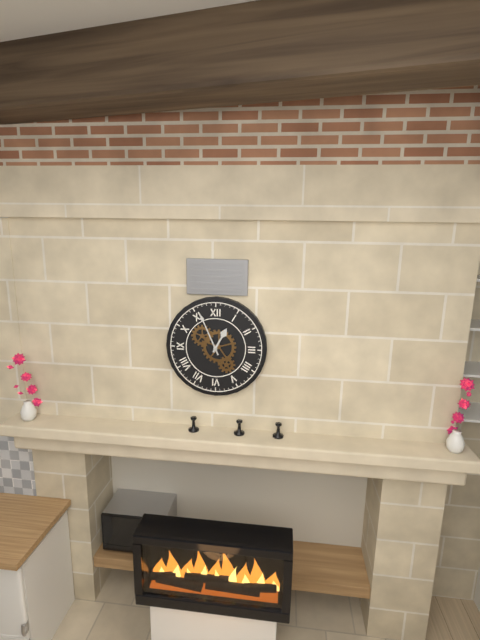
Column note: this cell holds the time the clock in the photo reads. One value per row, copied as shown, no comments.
12:56
